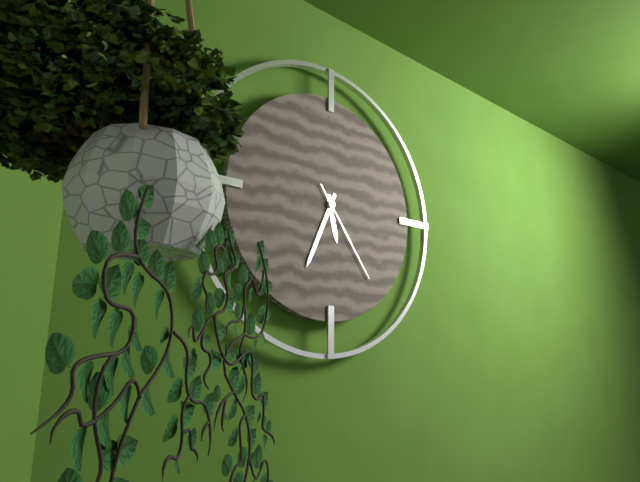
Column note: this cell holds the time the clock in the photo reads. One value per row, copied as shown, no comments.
5:34:24
